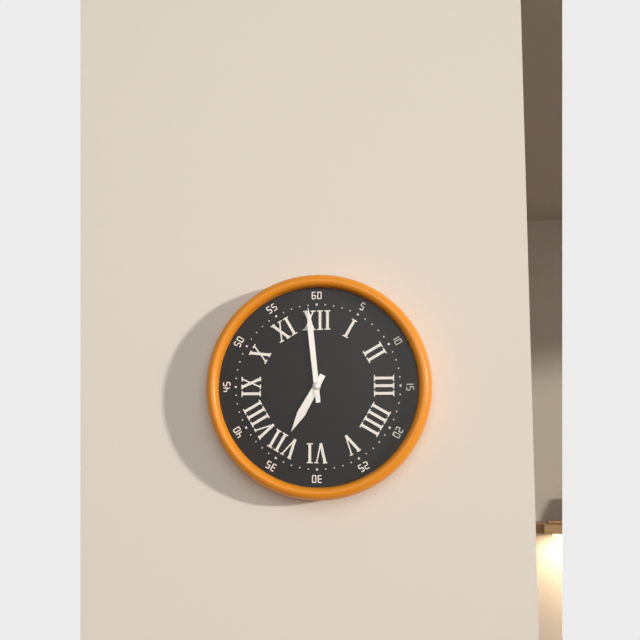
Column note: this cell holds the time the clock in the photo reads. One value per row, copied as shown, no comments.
6:59
